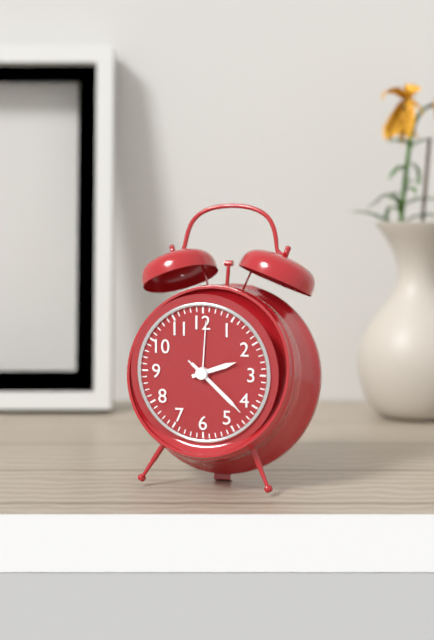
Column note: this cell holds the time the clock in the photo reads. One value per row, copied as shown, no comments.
2:22:22
